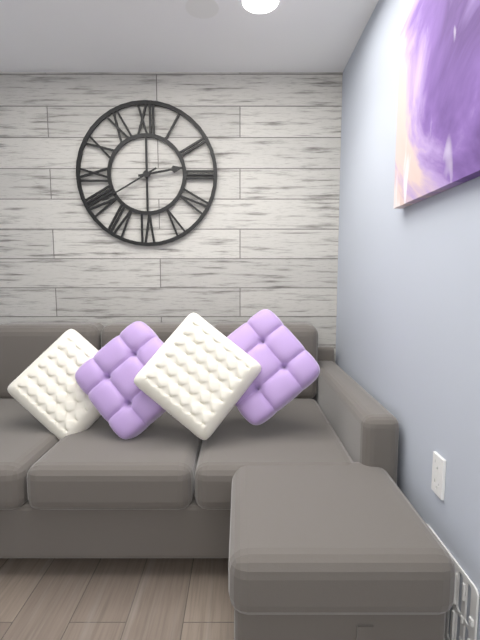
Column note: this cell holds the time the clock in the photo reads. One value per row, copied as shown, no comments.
2:40
